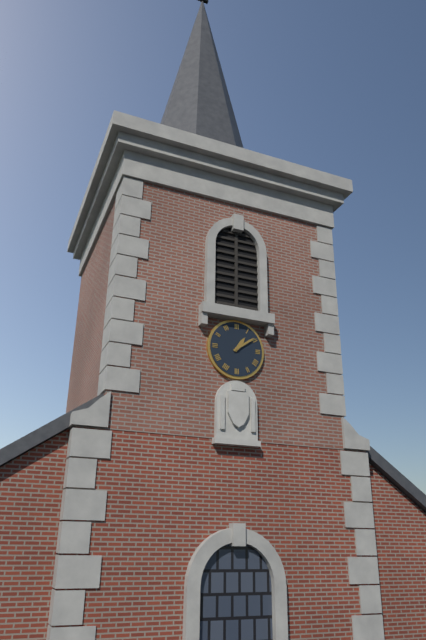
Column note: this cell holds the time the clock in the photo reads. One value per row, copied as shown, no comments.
1:09
